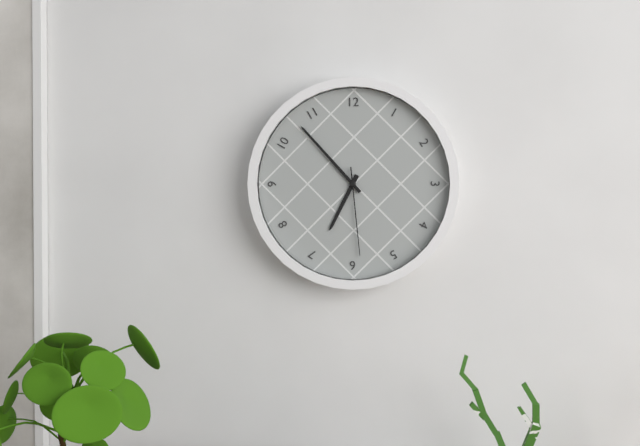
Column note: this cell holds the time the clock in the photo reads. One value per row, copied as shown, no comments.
6:53:29
